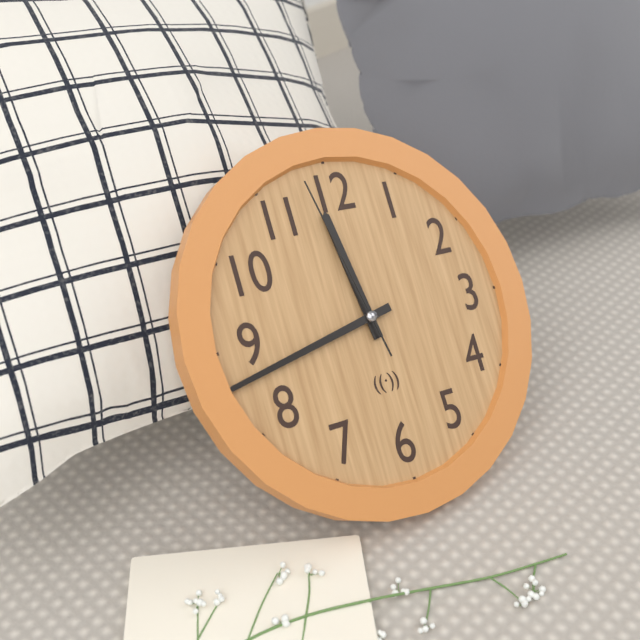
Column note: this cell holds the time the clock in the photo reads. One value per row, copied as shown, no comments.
11:43:58
